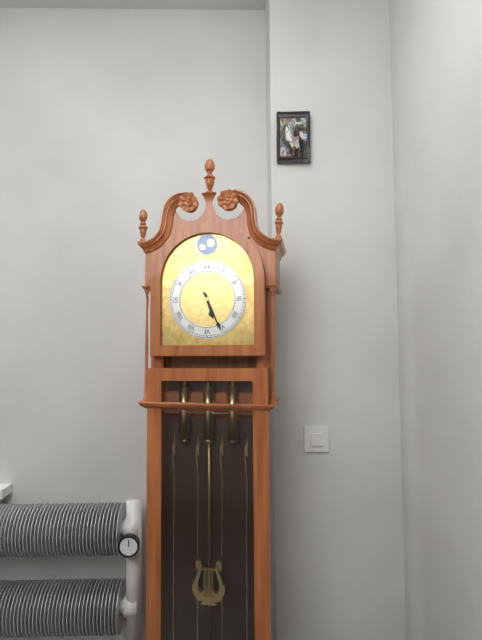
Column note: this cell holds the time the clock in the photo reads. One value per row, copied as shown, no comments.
5:26
